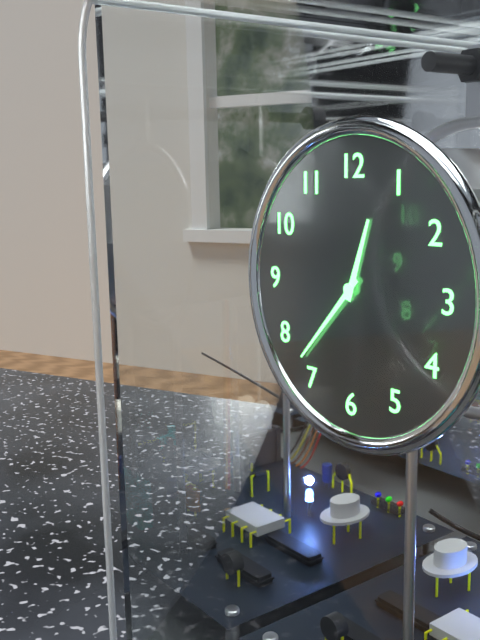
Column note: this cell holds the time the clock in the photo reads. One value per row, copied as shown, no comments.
12:37
